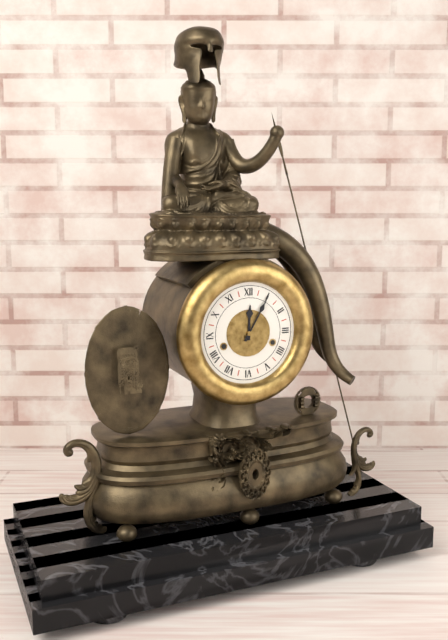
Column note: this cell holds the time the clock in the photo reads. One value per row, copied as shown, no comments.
12:05
